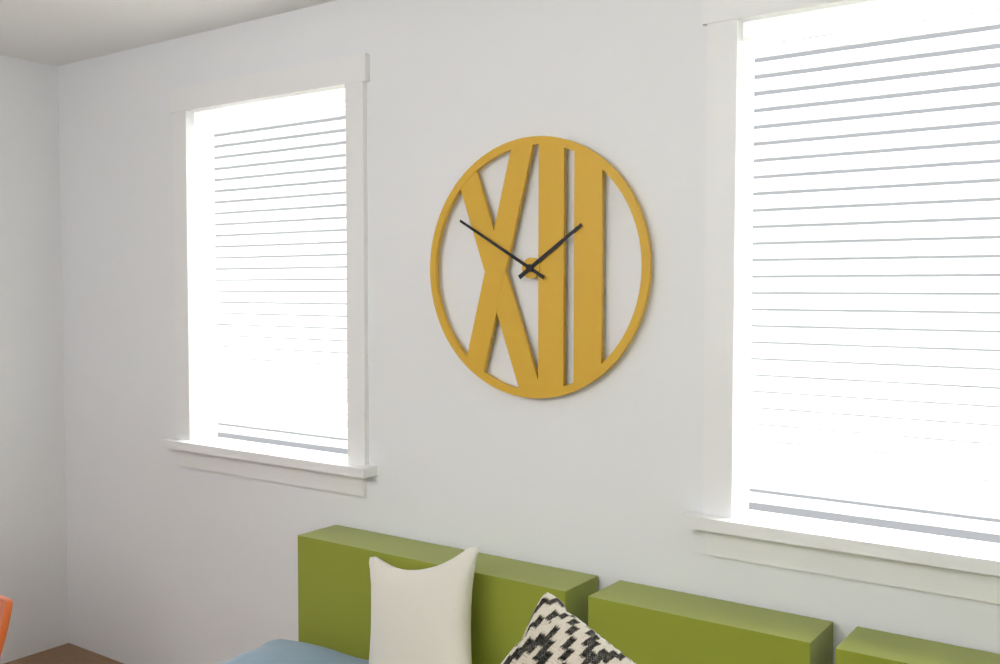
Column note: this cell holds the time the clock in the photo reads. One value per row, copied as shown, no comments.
1:50
